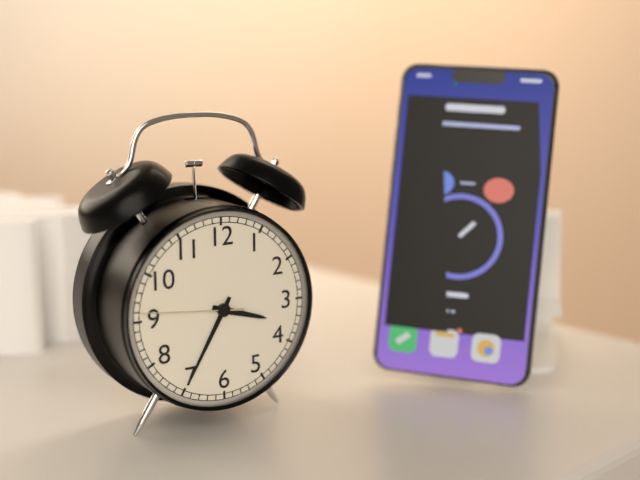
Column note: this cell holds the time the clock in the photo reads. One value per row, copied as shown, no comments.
3:35:46
